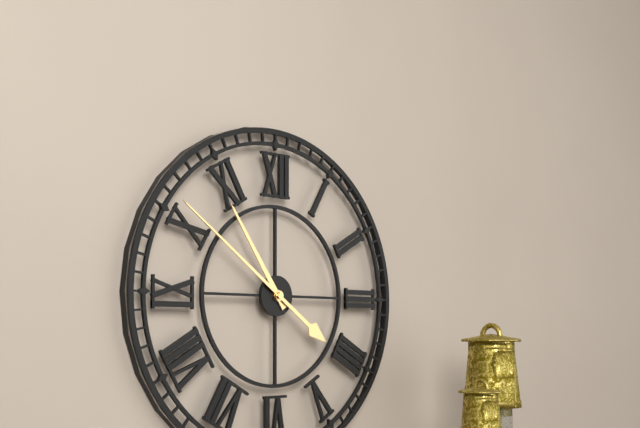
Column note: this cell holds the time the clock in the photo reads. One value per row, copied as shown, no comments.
10:51
